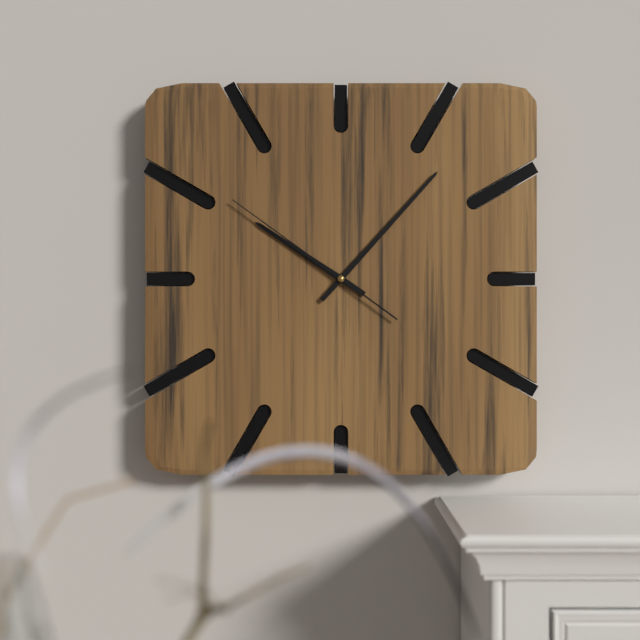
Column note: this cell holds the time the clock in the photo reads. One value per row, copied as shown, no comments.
10:07:51
